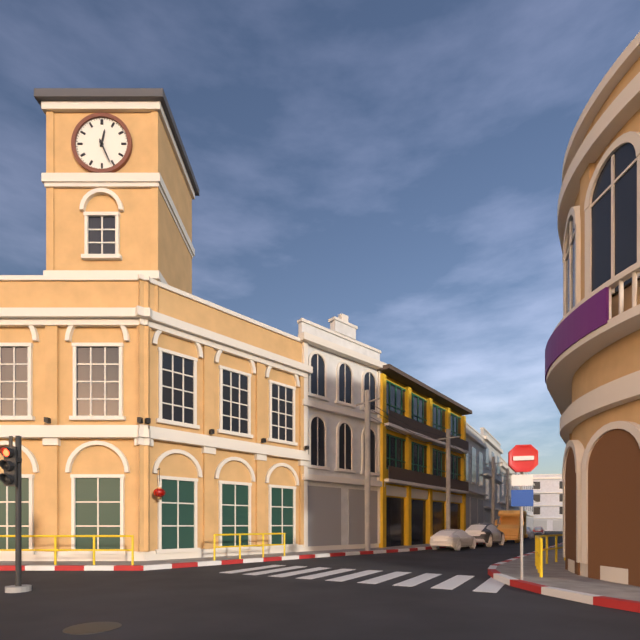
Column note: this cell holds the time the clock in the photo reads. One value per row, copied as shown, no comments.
12:26
